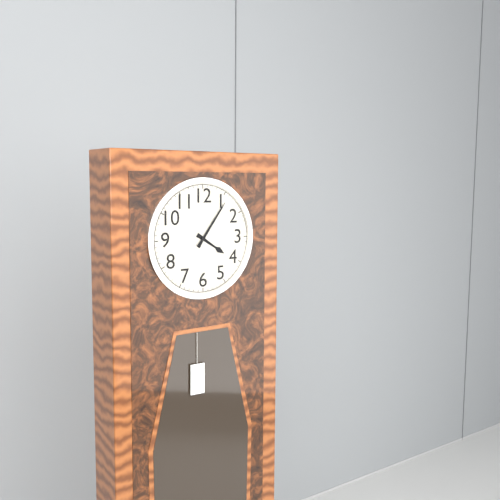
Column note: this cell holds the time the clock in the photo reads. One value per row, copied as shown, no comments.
4:06
